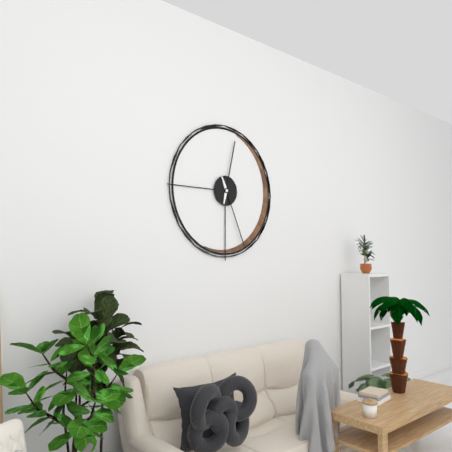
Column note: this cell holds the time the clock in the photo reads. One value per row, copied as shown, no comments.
12:26
